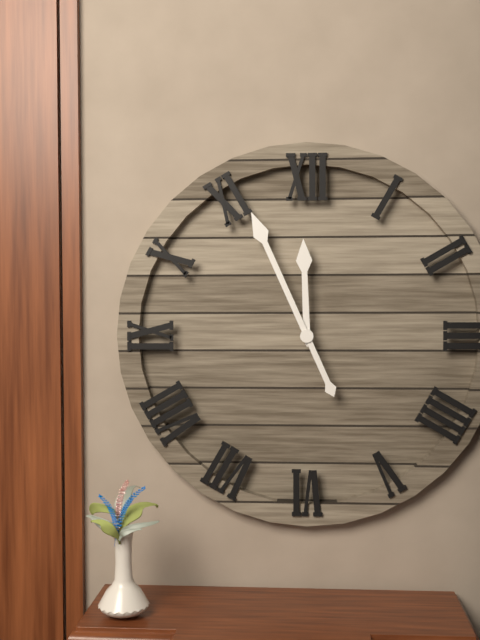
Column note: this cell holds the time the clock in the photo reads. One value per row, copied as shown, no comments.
11:56
